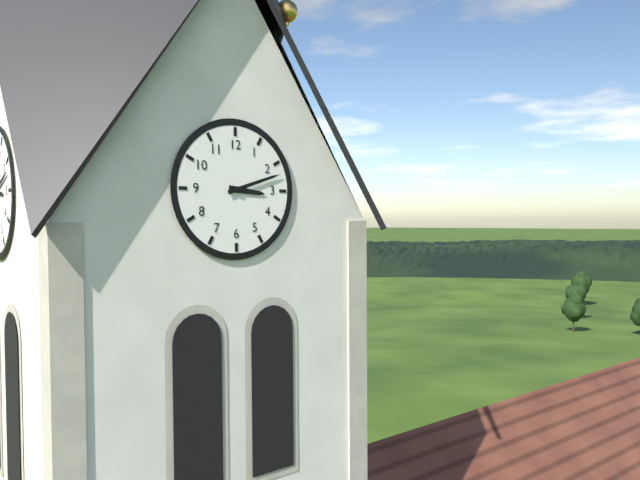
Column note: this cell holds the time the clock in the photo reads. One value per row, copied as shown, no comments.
3:12
